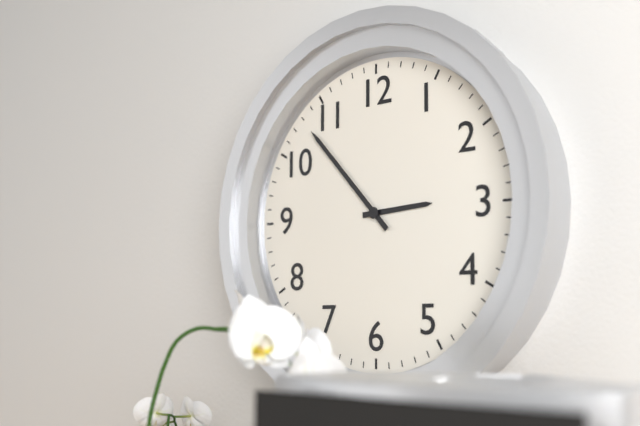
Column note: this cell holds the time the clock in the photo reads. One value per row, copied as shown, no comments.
2:53
